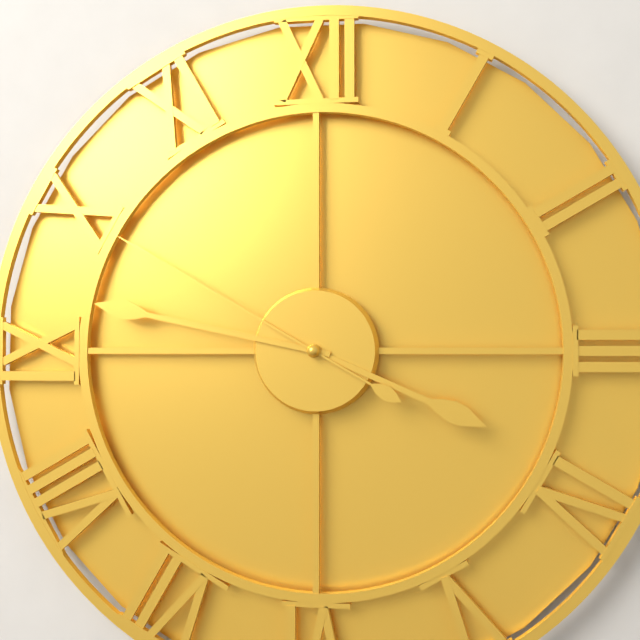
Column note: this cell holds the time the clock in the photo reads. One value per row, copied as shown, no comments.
3:47:50
